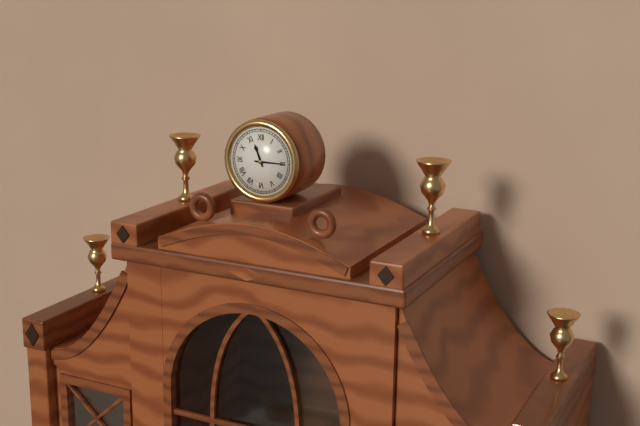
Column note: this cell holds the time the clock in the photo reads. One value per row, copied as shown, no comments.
11:15
